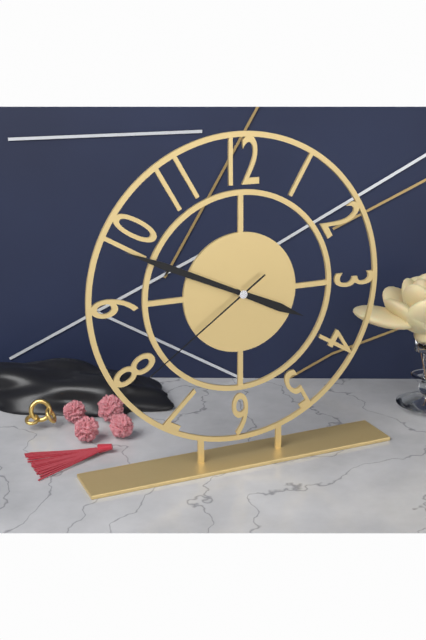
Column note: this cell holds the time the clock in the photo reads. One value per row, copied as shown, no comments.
3:49:39
